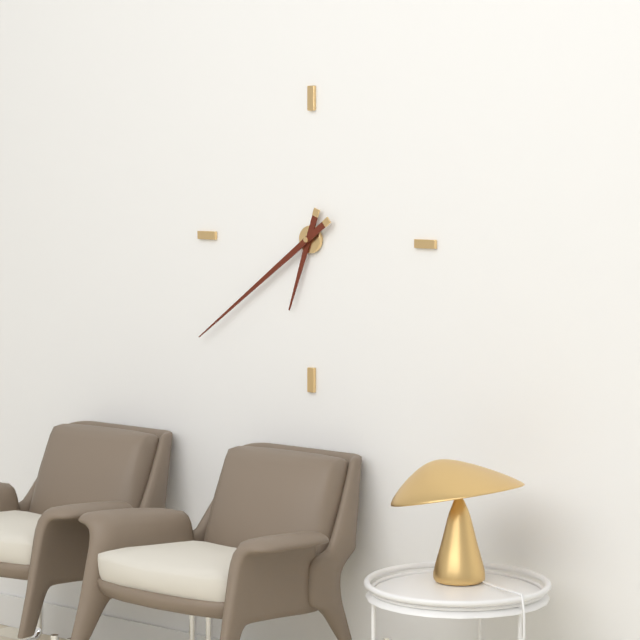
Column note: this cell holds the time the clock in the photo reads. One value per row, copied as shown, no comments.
6:39
